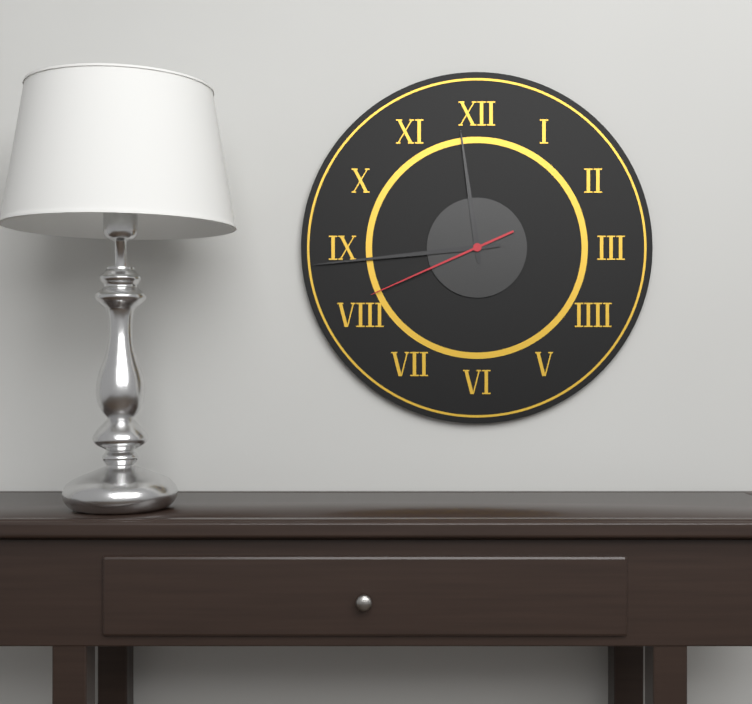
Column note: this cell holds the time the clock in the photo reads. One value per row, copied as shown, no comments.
11:44:41
